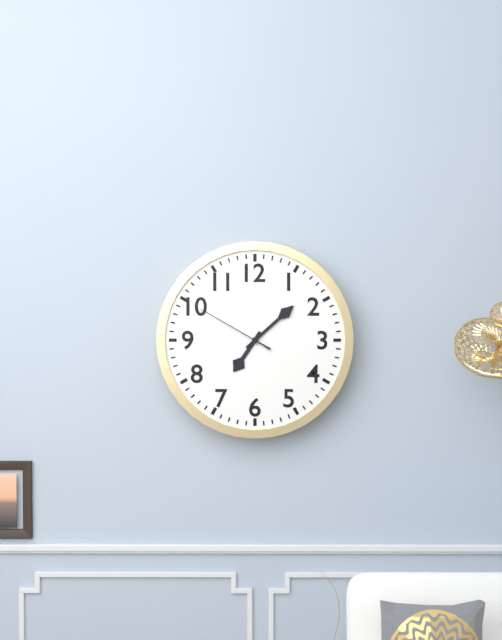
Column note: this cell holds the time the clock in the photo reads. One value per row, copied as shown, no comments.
7:08:50
